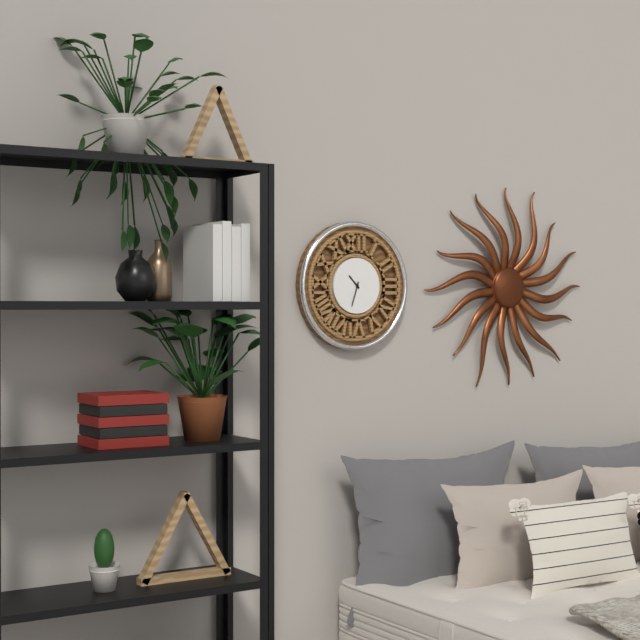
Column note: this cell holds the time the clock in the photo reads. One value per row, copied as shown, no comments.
10:33
